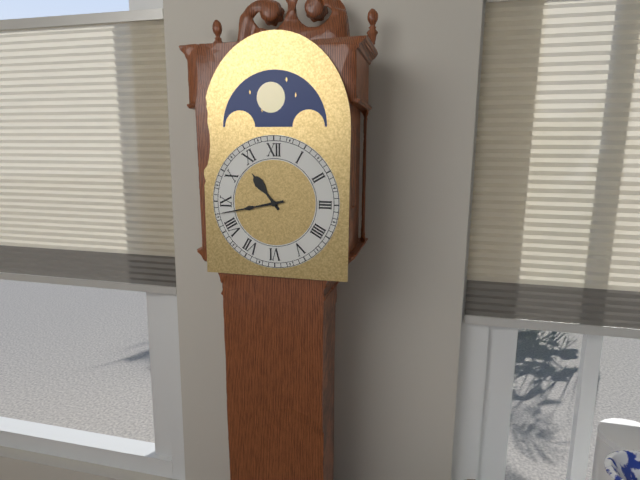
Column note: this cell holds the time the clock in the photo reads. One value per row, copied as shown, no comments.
10:43
